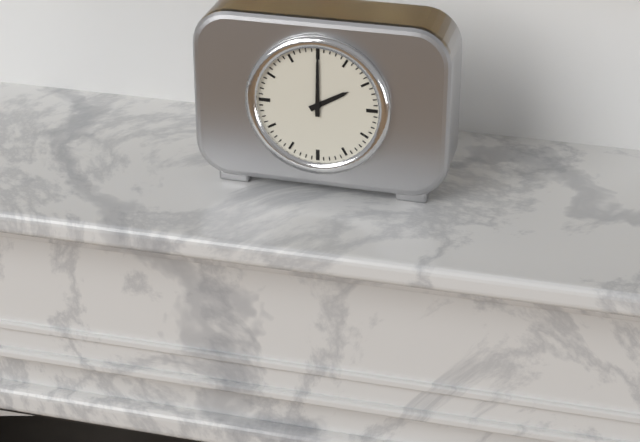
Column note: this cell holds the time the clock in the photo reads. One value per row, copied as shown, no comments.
2:00
